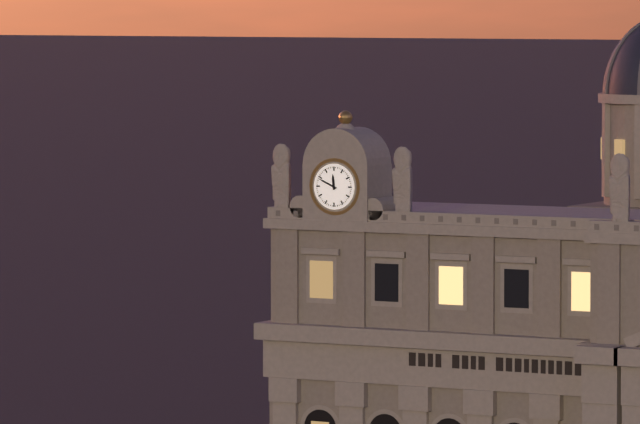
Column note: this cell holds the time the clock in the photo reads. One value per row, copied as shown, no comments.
11:49
